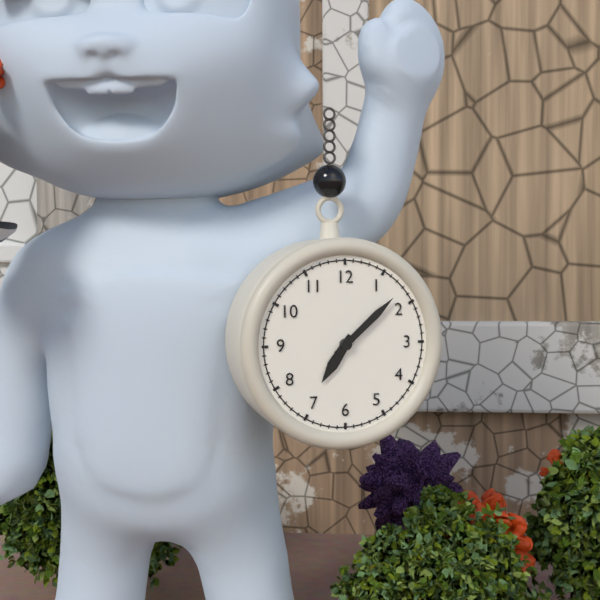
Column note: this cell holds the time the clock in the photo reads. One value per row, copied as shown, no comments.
7:08
